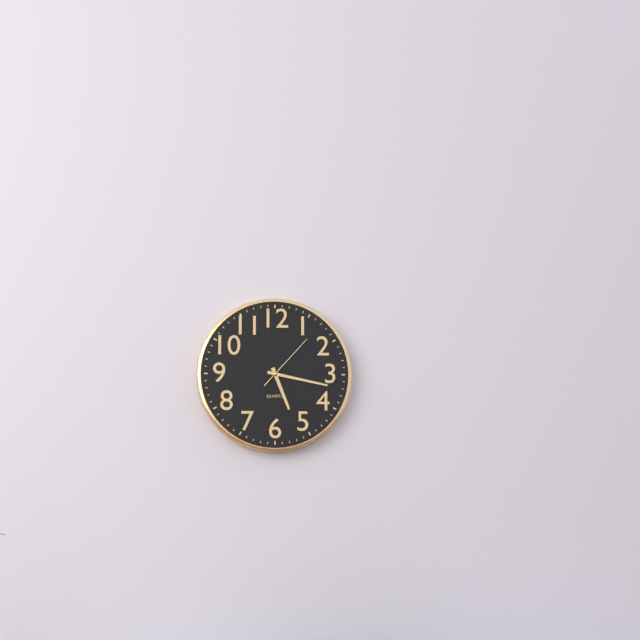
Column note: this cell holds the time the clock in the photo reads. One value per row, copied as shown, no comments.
5:17:07
